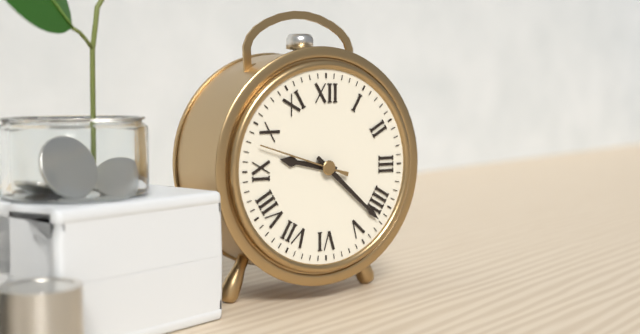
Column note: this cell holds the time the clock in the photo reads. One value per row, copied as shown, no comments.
9:22:48
